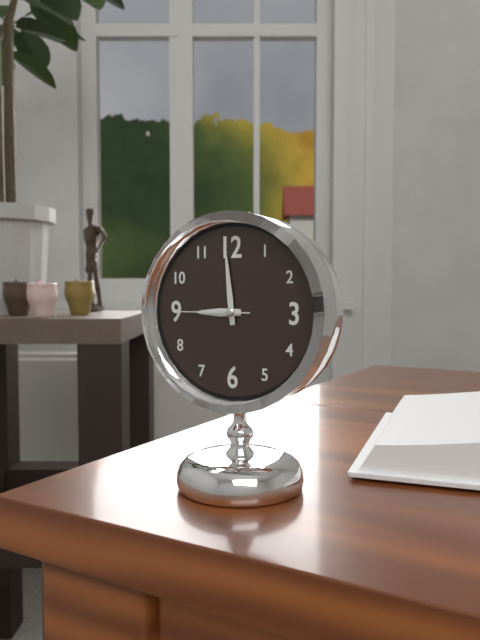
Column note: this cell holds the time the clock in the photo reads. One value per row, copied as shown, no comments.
8:59:45
